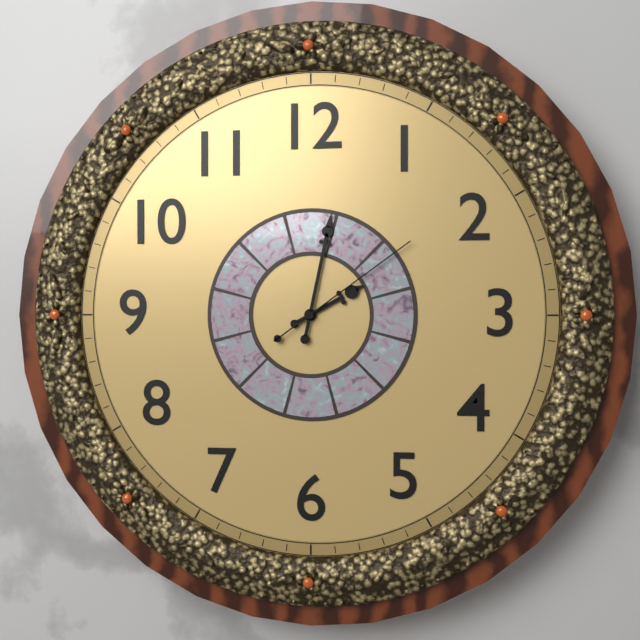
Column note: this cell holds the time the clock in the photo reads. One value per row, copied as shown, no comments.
2:02:09
